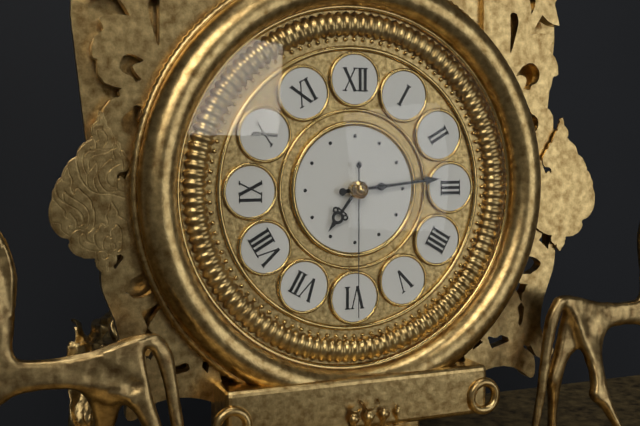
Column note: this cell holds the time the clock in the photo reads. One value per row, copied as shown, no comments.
7:14:30
